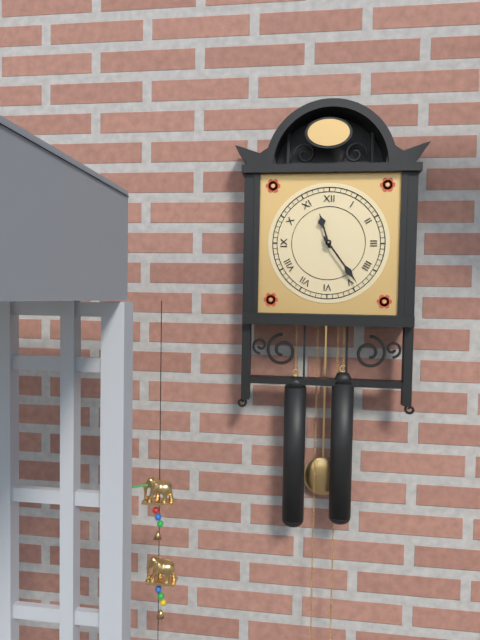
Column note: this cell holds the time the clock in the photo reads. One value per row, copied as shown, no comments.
11:24
